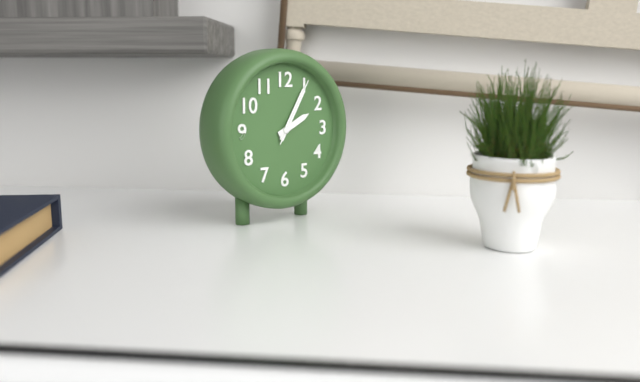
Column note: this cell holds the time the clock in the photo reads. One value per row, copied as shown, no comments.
2:05:05
